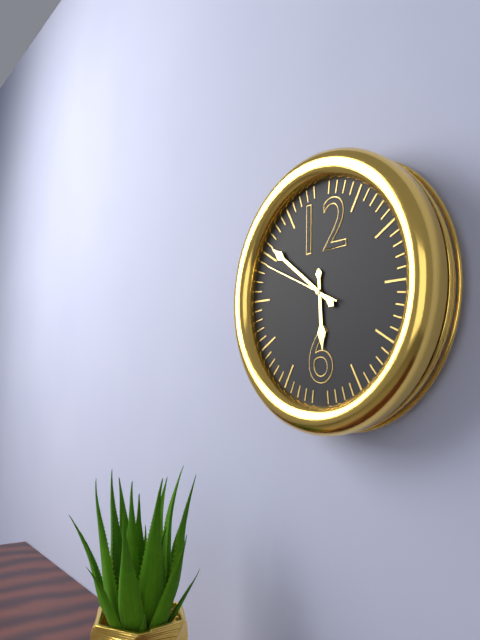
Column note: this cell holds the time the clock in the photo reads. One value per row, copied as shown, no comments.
5:51:49
